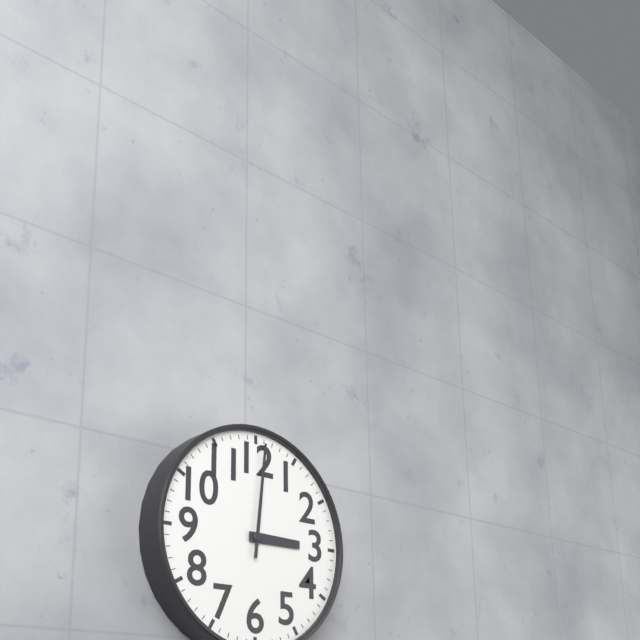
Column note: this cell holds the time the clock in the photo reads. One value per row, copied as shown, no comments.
3:01
